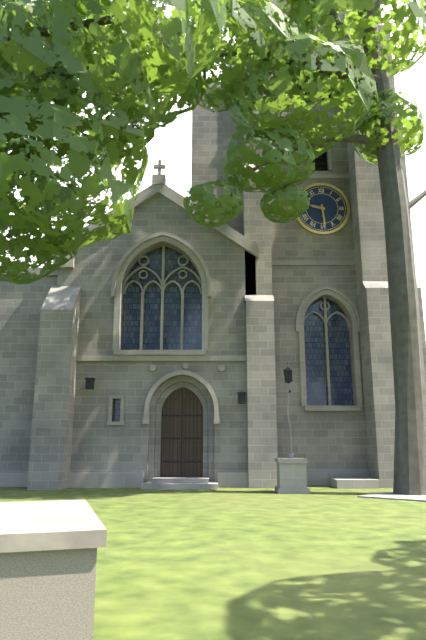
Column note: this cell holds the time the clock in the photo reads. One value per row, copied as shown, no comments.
9:29
